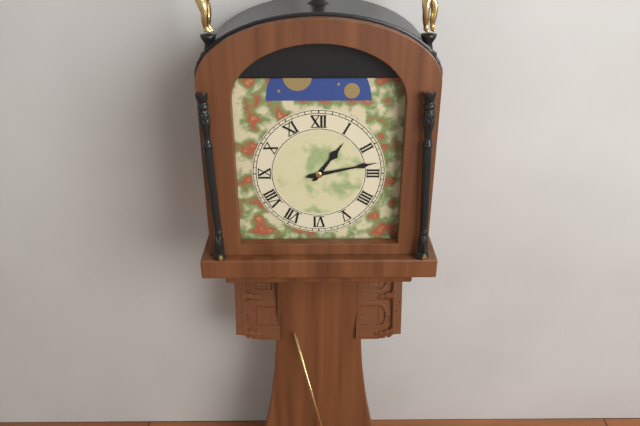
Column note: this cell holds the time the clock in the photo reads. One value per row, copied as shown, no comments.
1:13
